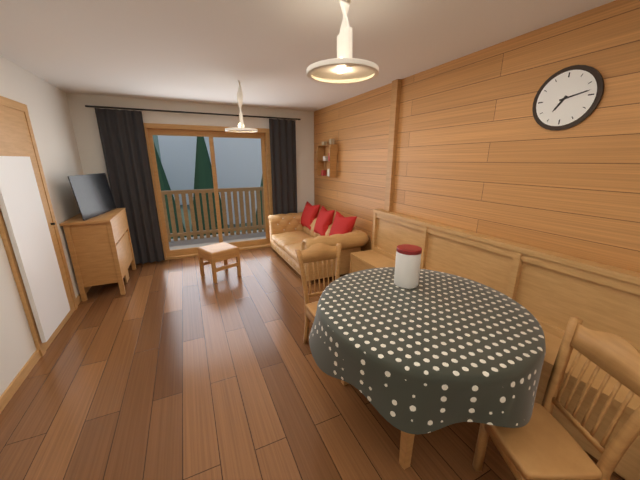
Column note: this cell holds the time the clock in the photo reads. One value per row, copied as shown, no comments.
7:13
